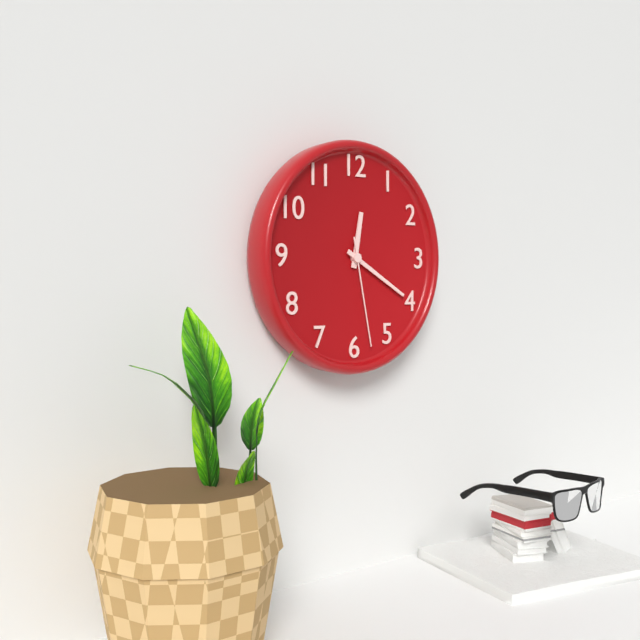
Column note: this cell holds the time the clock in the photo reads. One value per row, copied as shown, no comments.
12:20:28
